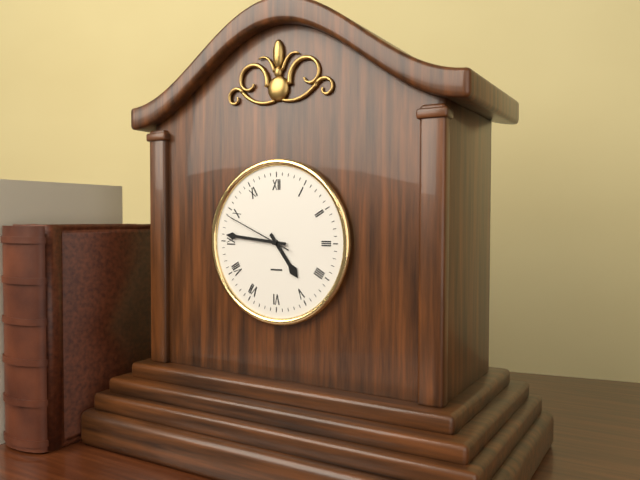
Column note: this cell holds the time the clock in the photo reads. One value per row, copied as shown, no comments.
4:46:49
